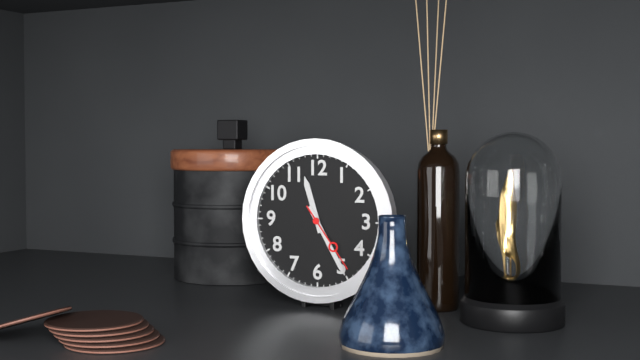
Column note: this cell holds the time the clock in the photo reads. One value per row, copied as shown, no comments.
11:25:24
